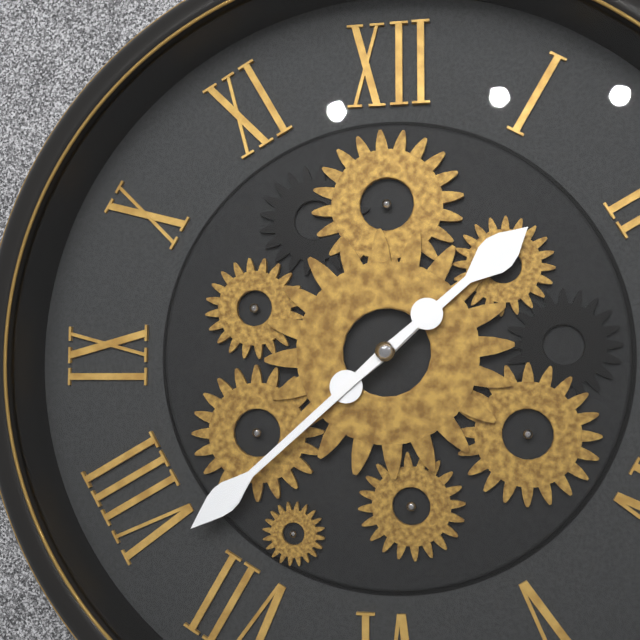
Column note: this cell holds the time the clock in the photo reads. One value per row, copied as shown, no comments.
1:38
